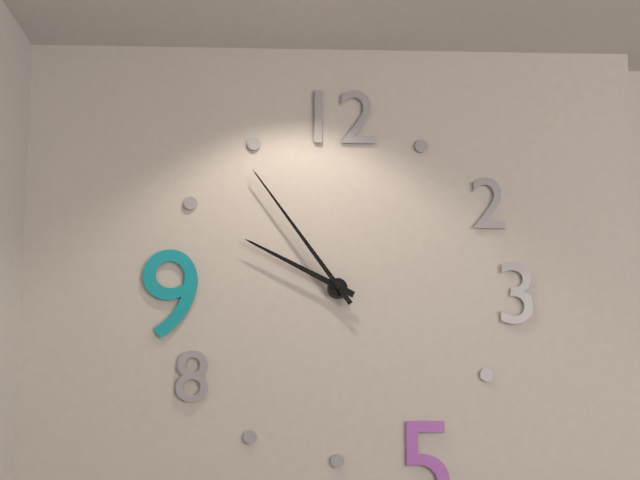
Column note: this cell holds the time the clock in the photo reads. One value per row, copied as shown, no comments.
9:54
